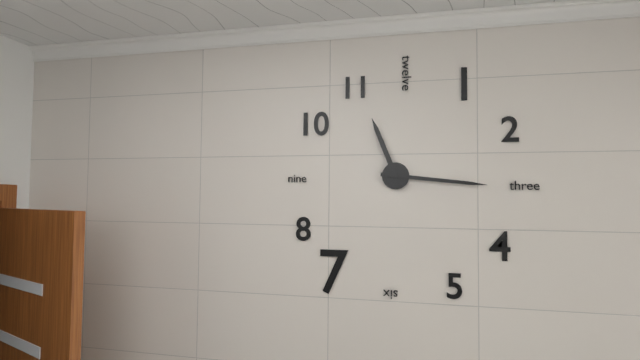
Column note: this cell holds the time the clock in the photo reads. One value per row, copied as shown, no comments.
11:16
